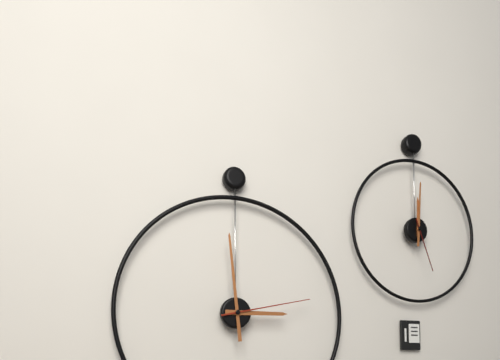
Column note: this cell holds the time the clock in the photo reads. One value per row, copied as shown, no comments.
2:59:13
